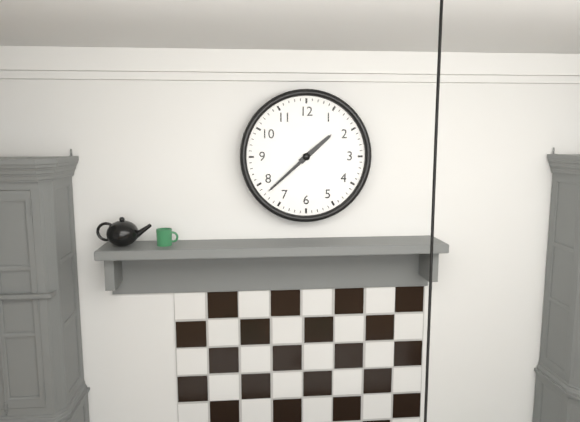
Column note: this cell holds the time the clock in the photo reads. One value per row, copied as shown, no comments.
1:38
